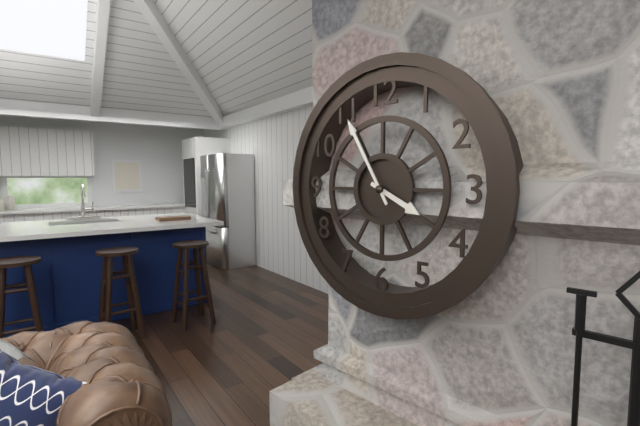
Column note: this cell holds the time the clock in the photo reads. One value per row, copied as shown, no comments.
3:55
